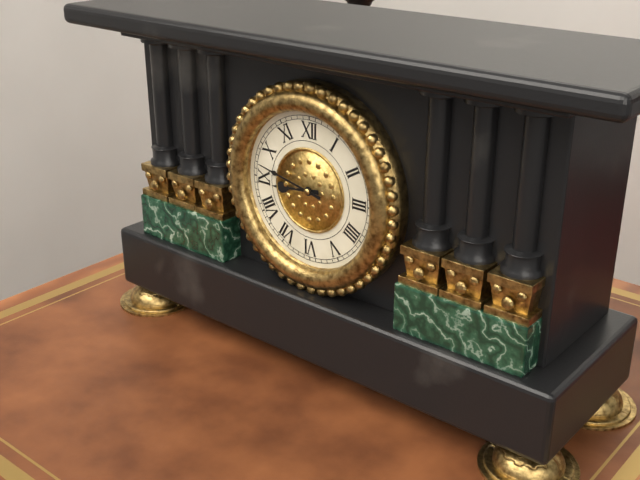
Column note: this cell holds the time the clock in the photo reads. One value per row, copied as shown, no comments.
8:47
